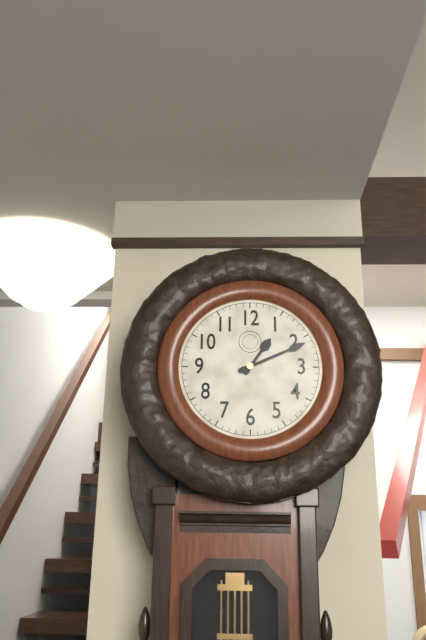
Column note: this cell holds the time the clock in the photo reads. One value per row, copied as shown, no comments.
1:11
